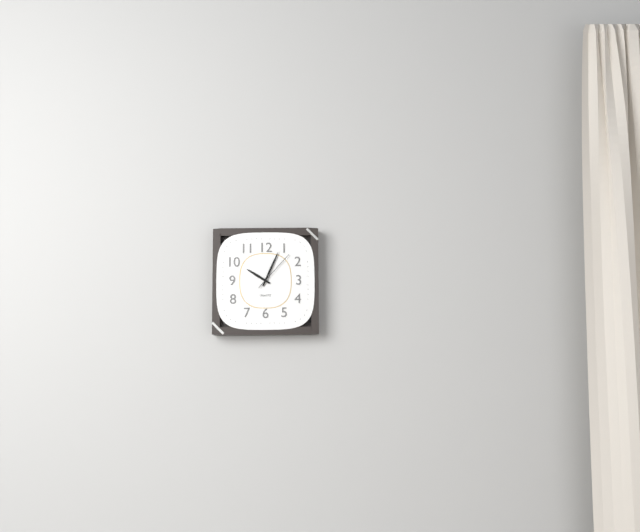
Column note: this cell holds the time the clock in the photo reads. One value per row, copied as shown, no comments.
10:04
